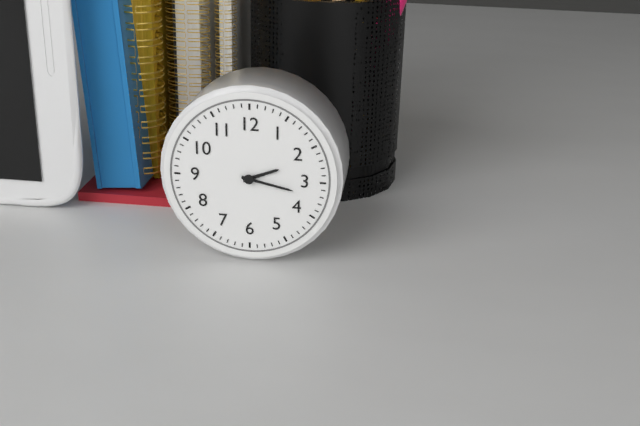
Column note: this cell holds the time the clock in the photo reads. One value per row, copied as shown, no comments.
2:17
